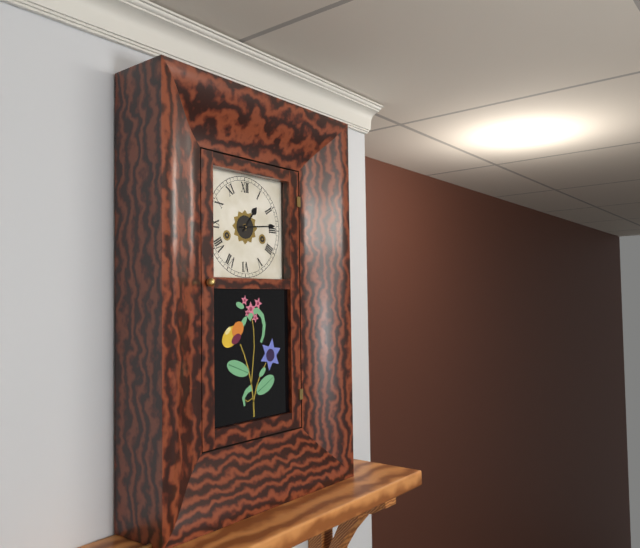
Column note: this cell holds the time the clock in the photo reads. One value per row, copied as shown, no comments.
1:14
